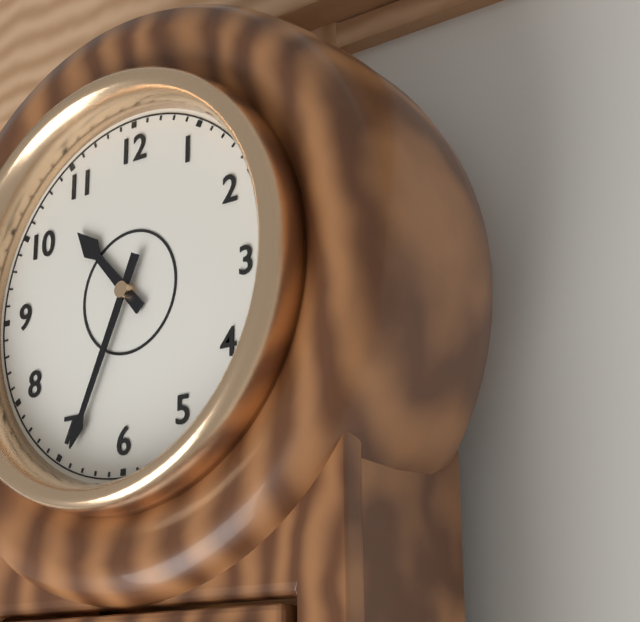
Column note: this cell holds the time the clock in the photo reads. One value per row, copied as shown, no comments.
10:34
